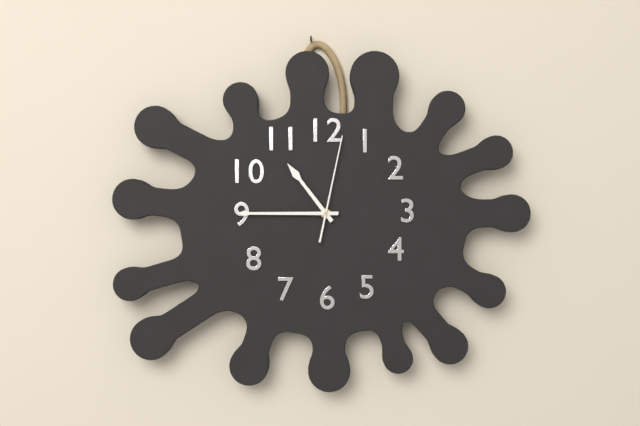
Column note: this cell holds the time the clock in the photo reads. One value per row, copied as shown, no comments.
10:45:02
